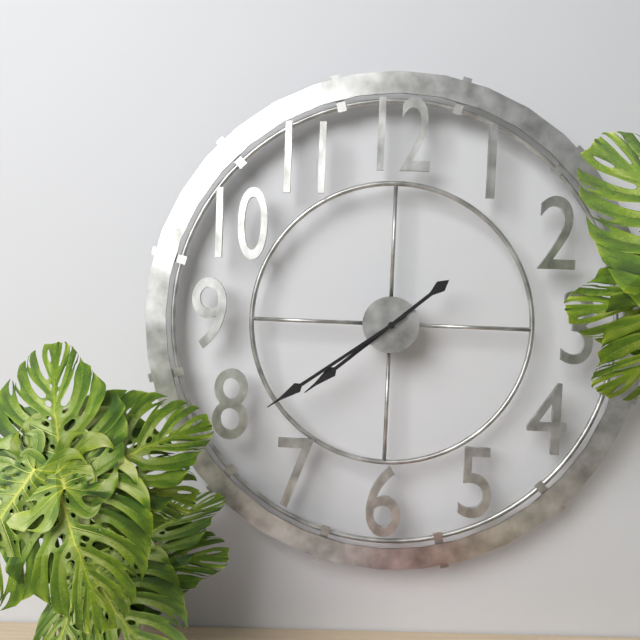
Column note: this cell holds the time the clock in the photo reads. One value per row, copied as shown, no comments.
7:39
